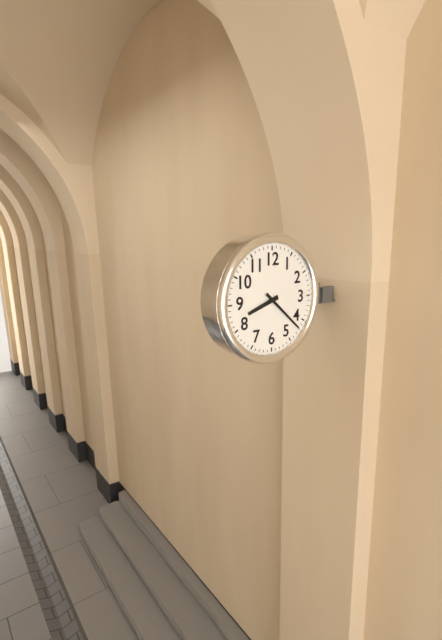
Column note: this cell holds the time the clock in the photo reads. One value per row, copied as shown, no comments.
8:22
